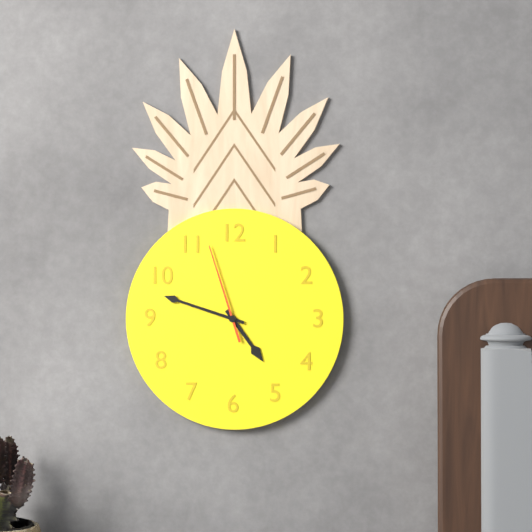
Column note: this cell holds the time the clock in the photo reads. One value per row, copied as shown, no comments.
4:48:57
